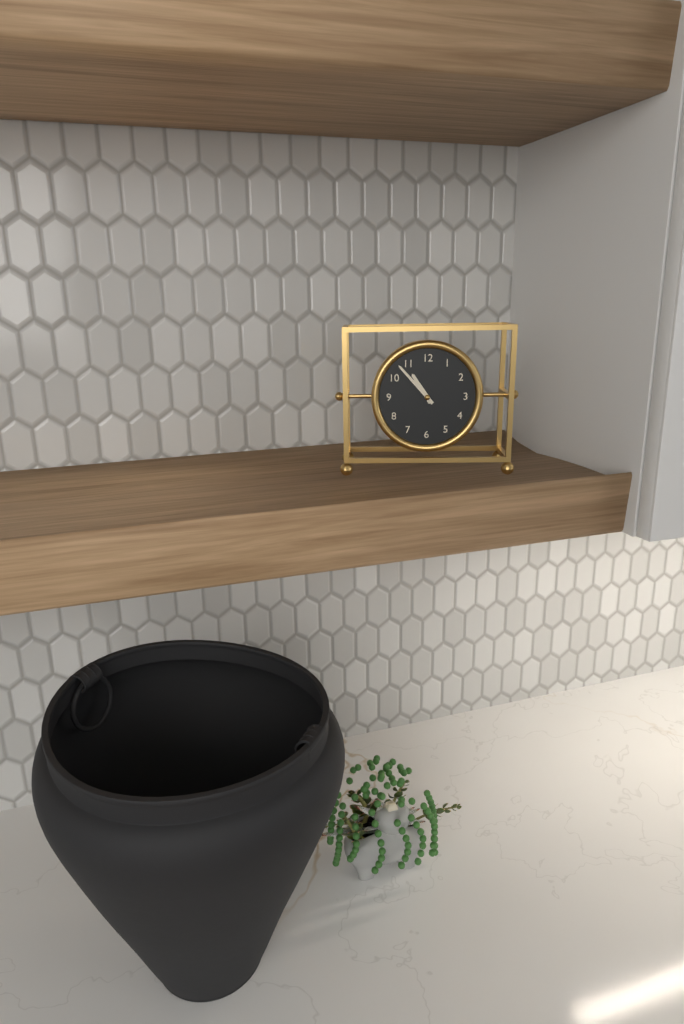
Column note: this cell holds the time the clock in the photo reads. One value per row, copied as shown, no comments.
10:53
